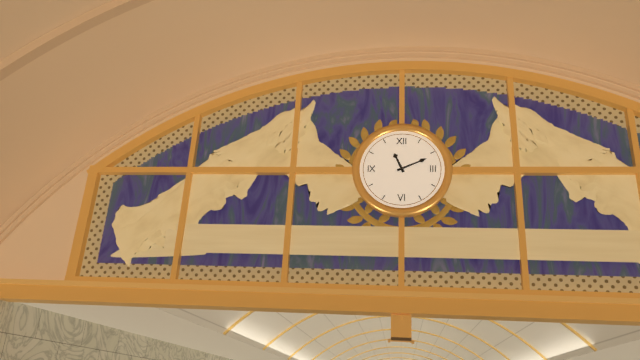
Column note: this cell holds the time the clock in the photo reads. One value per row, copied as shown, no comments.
11:11
